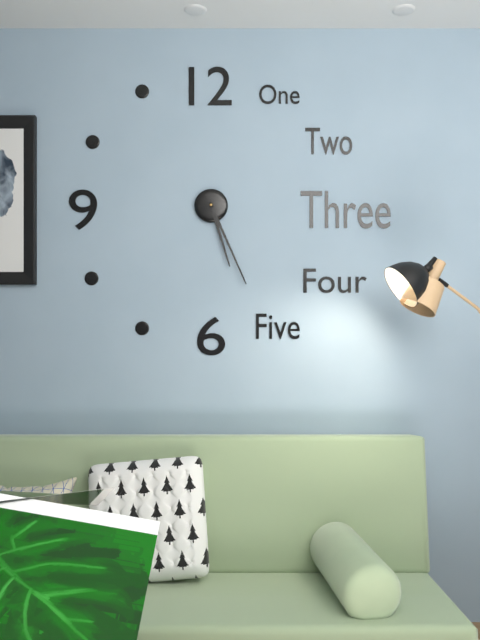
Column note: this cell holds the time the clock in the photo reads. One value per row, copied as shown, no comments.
5:26
